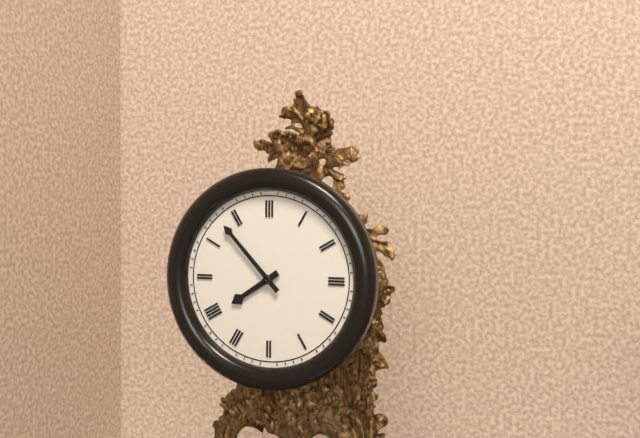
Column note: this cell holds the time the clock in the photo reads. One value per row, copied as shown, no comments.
7:53
